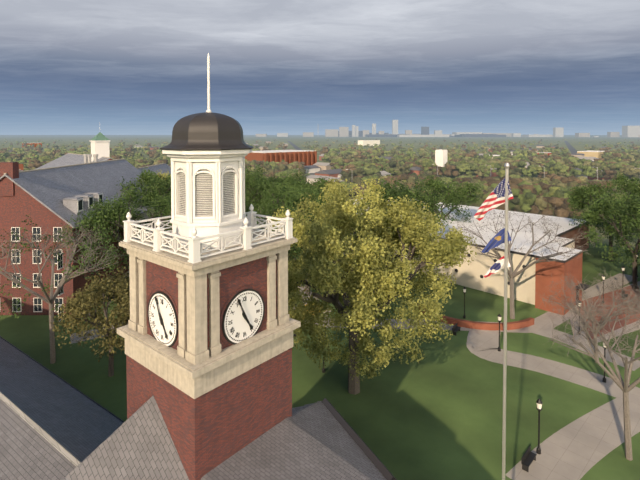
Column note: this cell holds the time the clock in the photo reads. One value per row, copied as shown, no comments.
4:56
